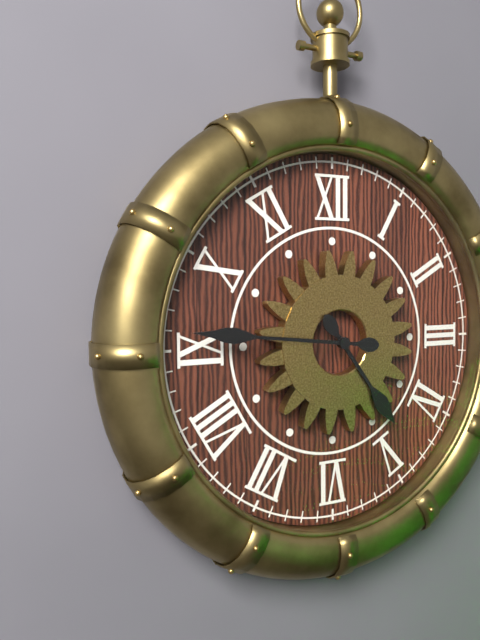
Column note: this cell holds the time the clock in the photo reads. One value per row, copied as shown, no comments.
4:46
